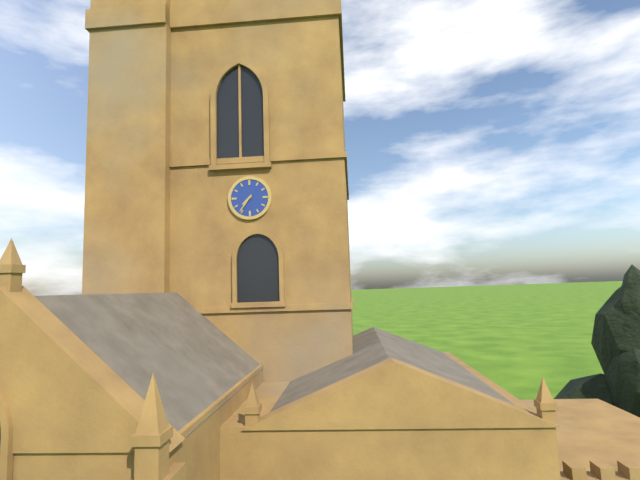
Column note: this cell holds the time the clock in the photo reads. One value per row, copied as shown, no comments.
7:36
